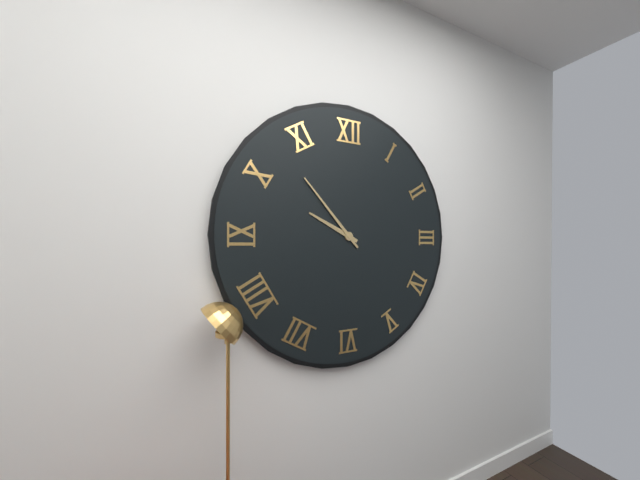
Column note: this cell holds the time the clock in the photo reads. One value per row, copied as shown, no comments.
9:53
